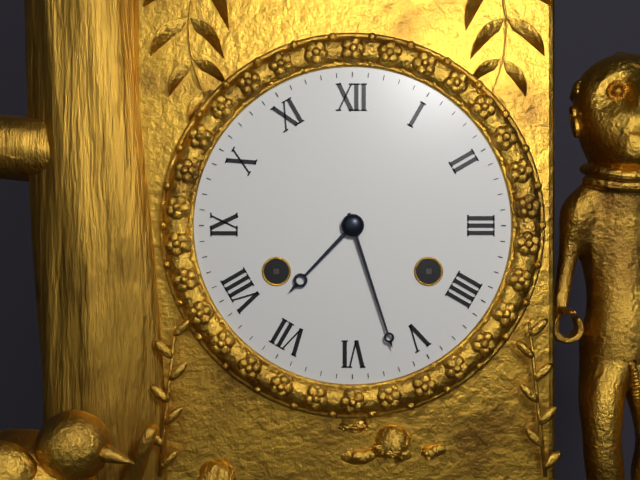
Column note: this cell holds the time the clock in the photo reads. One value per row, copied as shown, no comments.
7:27
